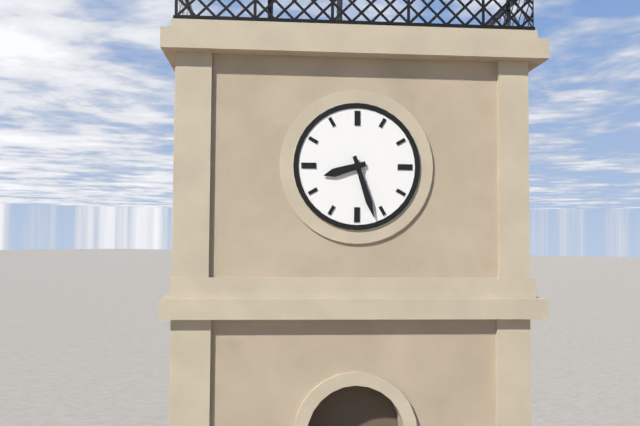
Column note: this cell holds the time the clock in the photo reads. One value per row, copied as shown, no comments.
8:27
